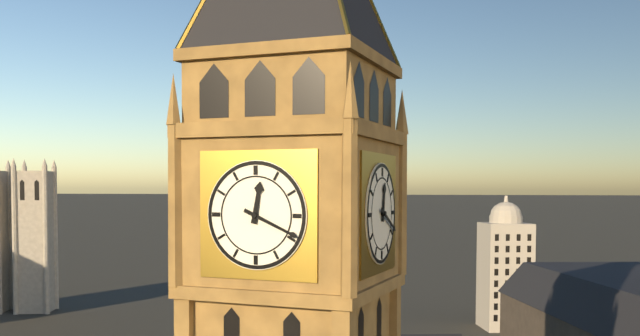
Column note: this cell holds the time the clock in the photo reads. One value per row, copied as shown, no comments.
12:19
